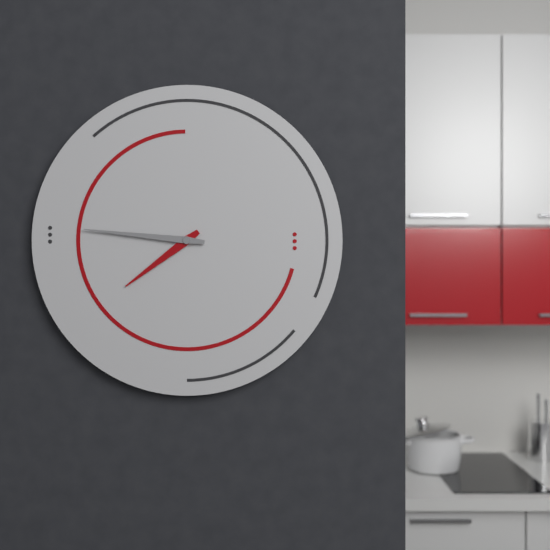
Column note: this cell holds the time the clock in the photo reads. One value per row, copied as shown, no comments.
7:46
